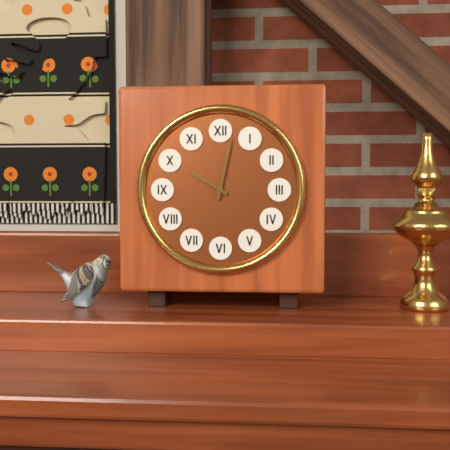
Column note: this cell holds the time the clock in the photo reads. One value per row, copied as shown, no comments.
10:02
